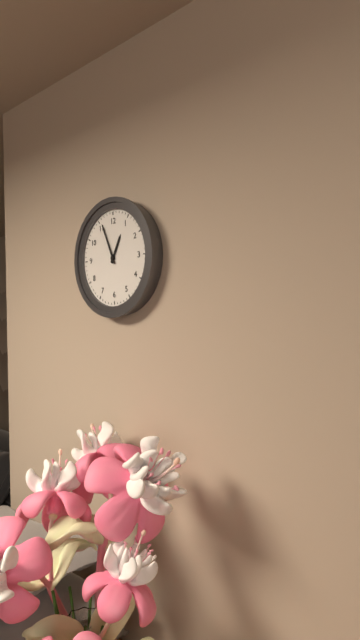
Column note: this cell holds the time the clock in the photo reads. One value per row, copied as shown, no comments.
12:56
